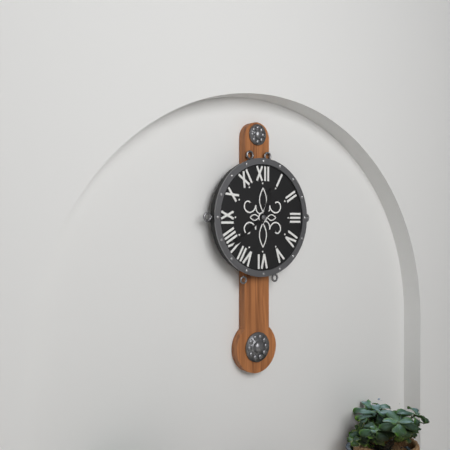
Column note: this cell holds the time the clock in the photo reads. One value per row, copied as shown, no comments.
12:39
